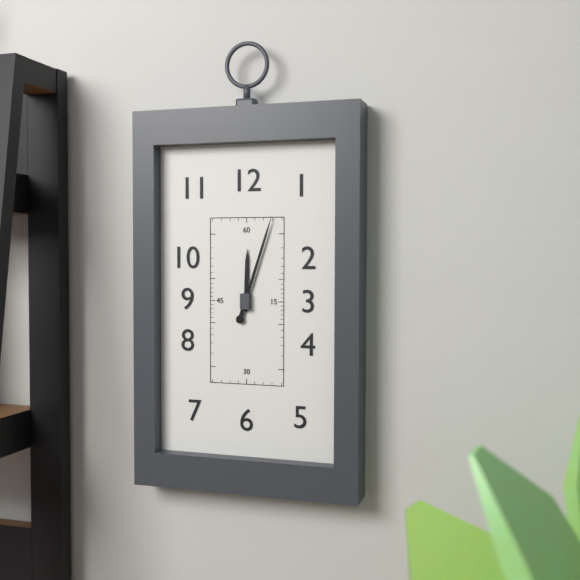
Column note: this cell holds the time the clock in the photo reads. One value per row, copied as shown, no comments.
12:03
